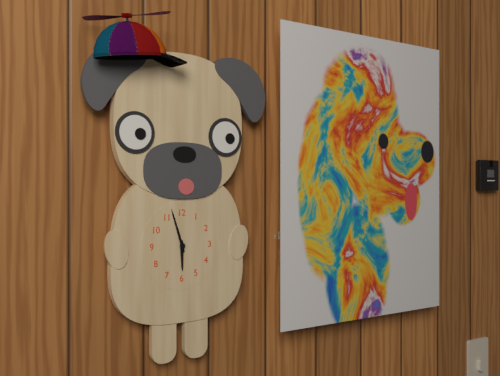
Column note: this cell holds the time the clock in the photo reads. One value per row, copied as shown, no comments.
5:57
